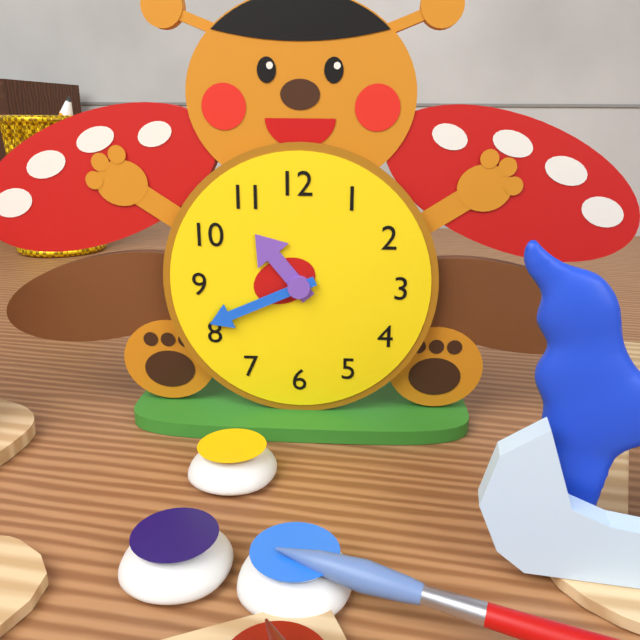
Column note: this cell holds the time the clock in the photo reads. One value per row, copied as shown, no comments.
10:41
